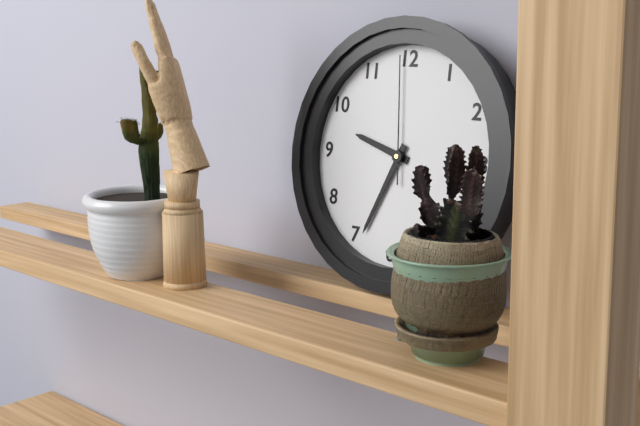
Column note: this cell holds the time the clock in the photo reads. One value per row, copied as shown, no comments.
9:34:59
